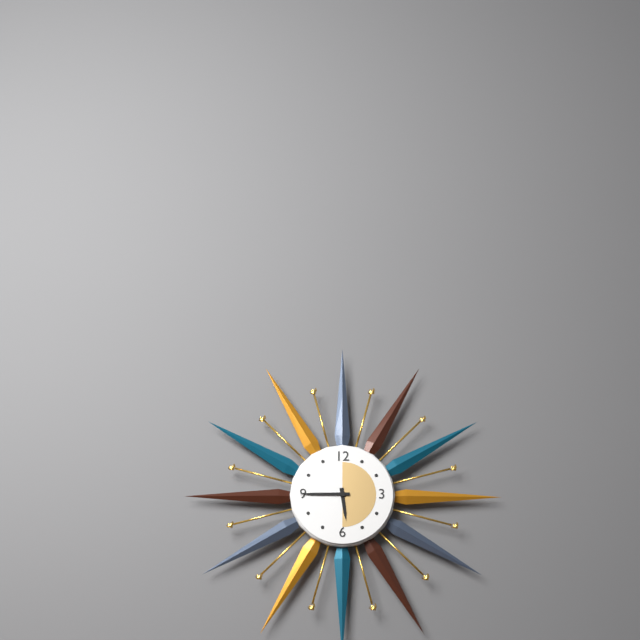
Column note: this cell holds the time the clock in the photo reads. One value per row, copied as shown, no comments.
5:45
